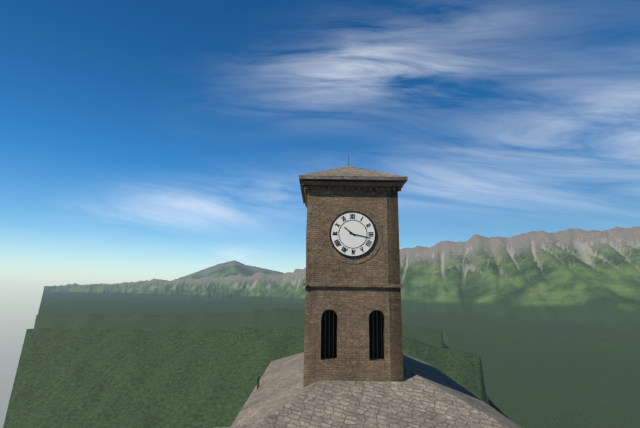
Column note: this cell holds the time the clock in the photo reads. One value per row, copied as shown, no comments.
10:17
